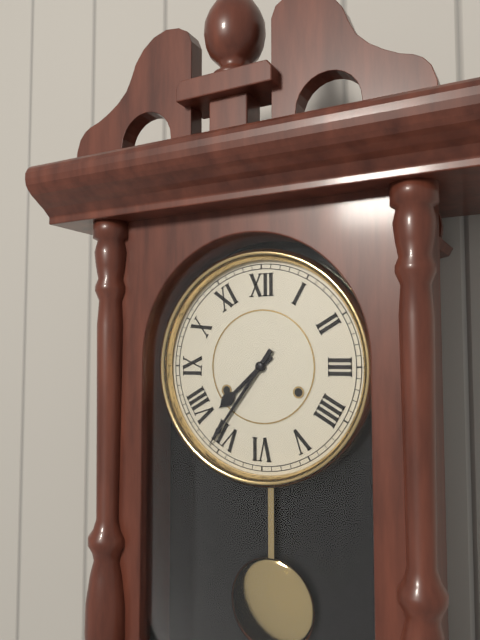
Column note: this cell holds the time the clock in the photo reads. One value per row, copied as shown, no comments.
7:36
